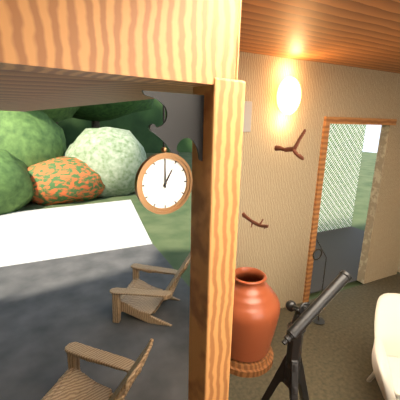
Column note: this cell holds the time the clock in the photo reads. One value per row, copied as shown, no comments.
1:00
